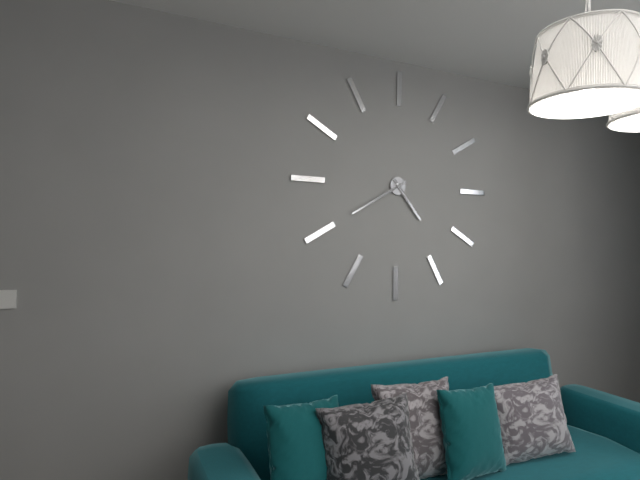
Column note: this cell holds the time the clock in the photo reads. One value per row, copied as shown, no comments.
4:40
